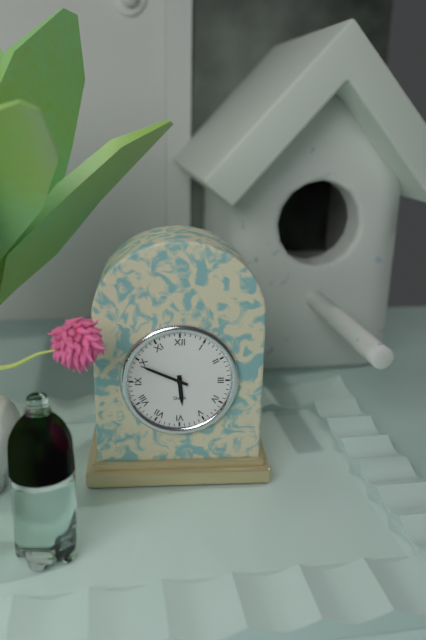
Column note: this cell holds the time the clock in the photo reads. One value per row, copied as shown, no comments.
5:49
